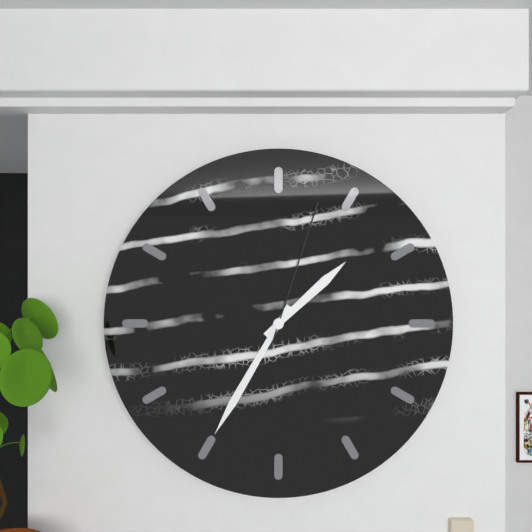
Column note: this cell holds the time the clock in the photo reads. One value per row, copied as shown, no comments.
1:35:03
